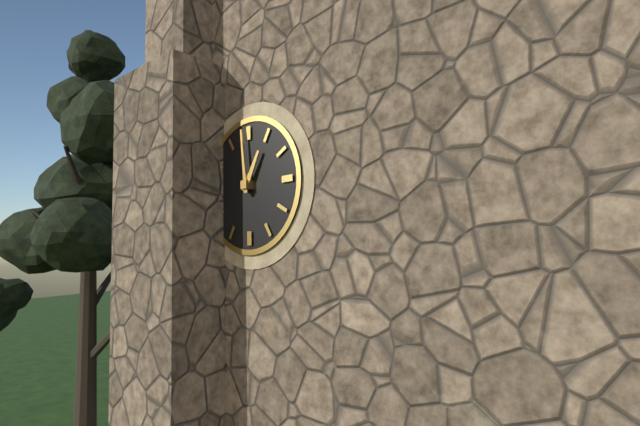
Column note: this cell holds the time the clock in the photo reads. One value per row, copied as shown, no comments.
12:59
